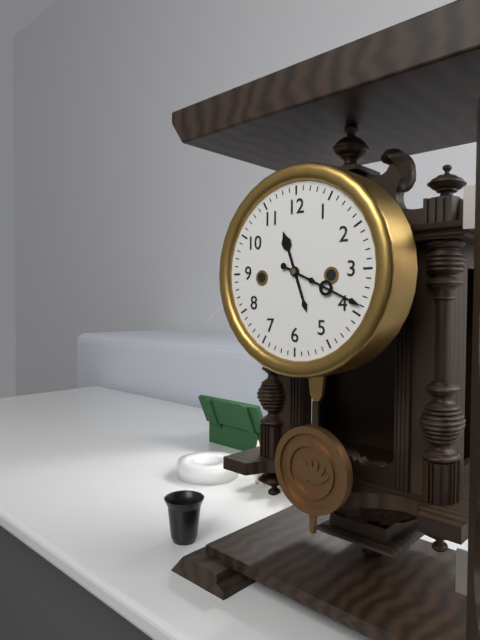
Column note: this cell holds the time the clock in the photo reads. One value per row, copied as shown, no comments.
11:19
